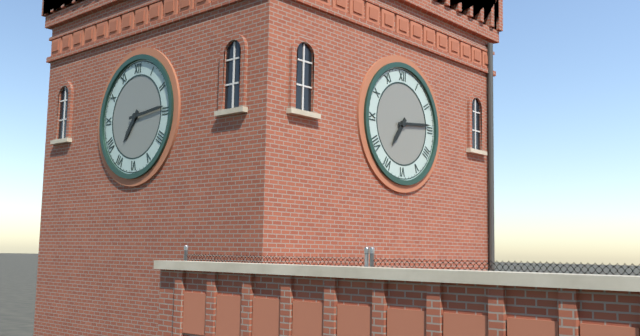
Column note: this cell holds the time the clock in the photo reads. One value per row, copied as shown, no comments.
7:14
